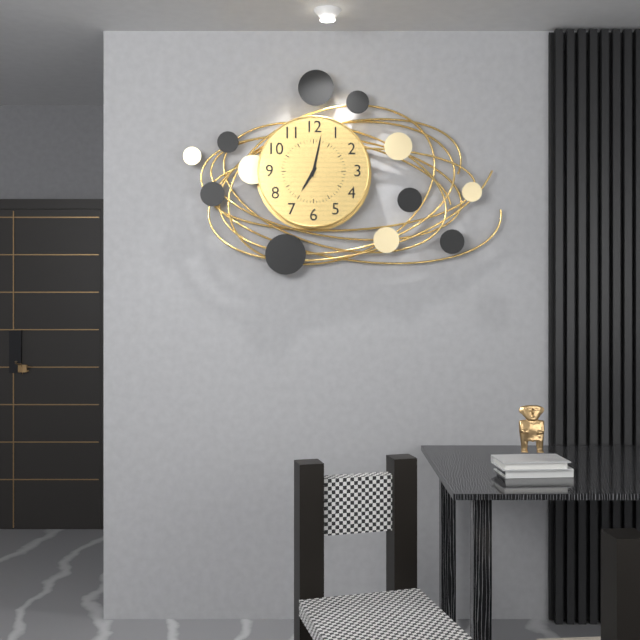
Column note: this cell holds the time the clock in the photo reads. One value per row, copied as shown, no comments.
7:02
